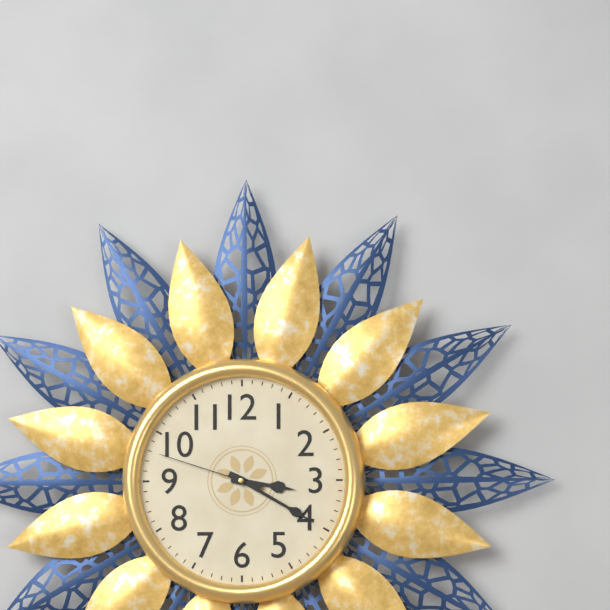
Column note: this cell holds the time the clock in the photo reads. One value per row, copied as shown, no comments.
3:20:48
